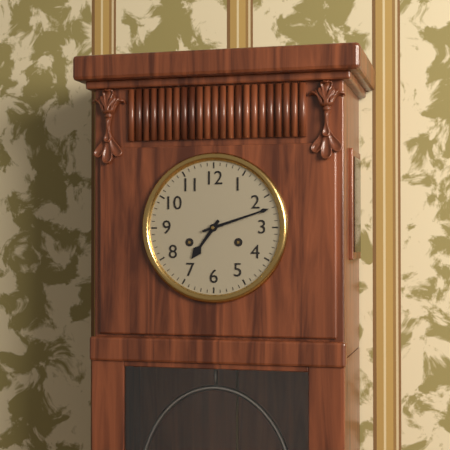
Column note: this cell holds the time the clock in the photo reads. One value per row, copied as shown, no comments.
7:12
